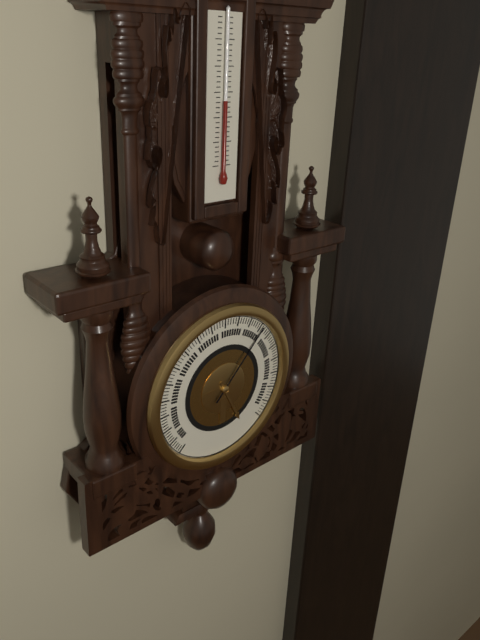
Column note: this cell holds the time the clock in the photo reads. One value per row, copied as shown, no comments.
5:07
